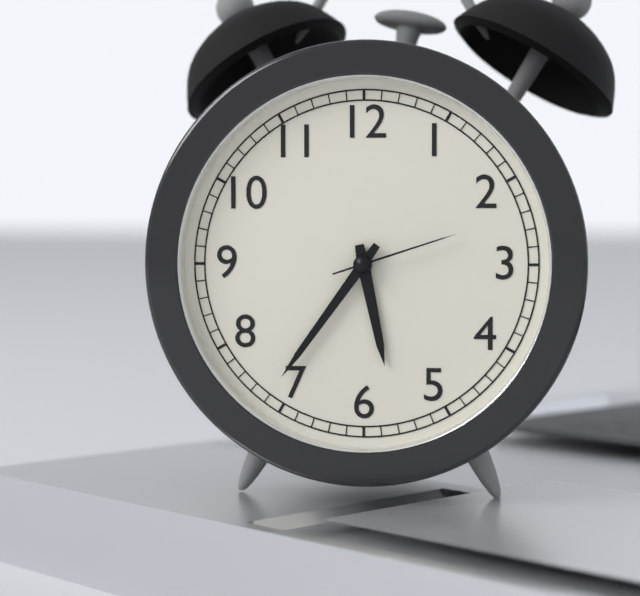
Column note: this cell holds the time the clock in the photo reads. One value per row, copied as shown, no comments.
5:36:12
